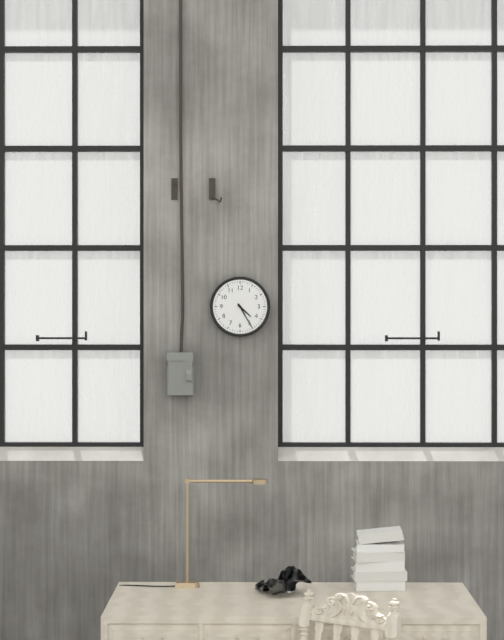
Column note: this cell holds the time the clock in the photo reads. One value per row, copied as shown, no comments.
4:25
